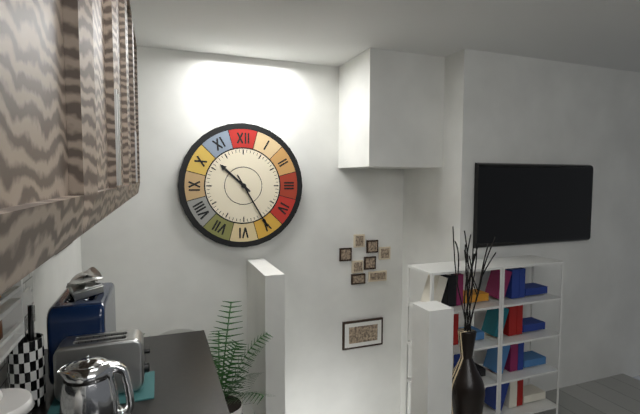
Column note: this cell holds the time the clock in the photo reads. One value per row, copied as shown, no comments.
10:25
